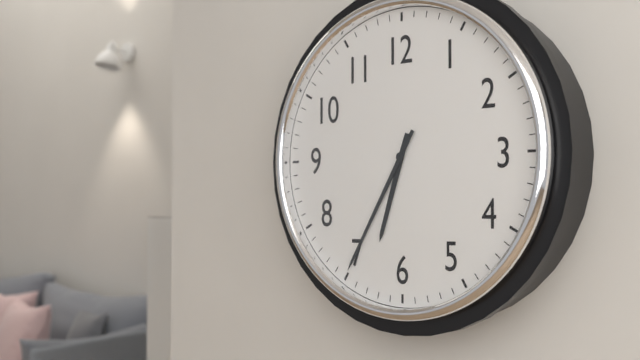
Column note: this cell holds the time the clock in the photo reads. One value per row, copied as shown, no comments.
6:35
